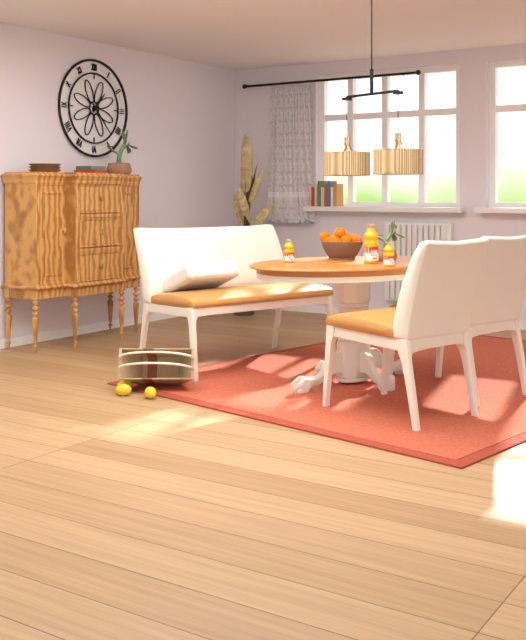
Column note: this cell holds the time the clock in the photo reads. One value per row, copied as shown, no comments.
1:23
